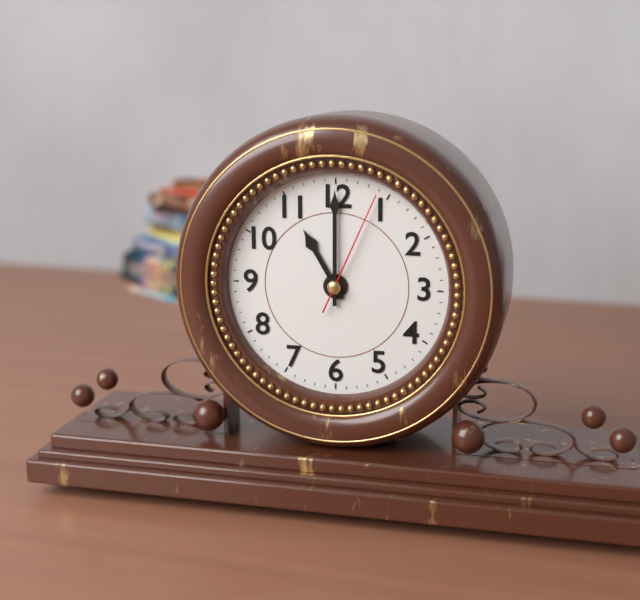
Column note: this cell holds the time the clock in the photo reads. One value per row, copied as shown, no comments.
11:00:04
